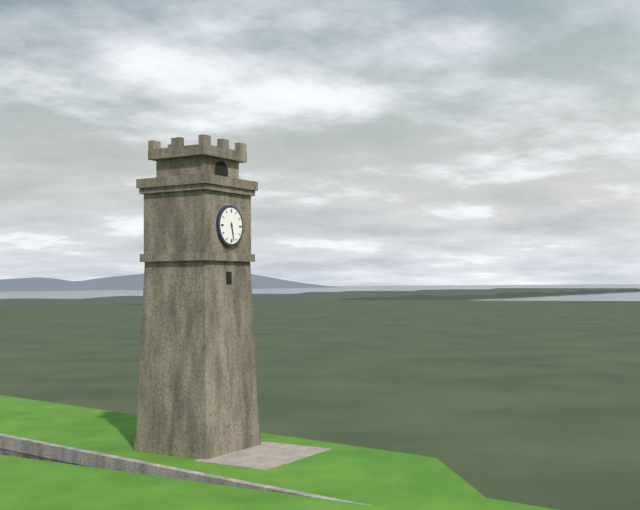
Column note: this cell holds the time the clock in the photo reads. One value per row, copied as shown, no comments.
5:28
